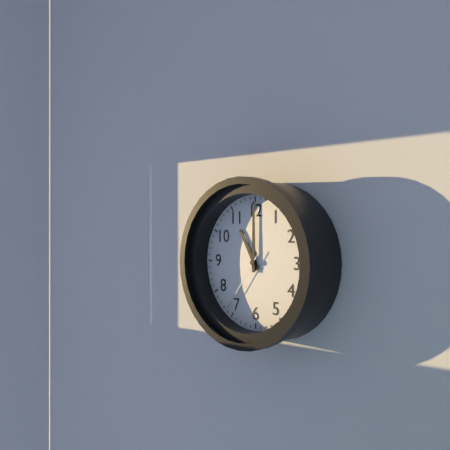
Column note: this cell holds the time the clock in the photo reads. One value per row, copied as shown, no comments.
11:00:36
